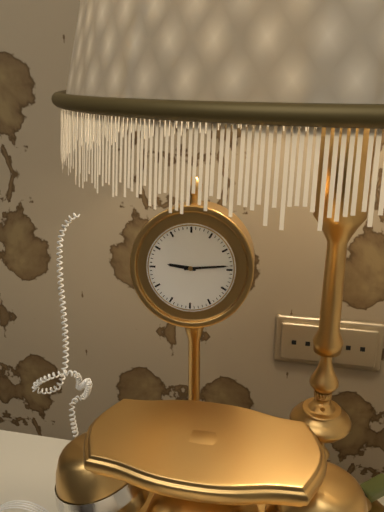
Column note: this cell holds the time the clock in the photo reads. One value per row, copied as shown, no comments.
9:14
